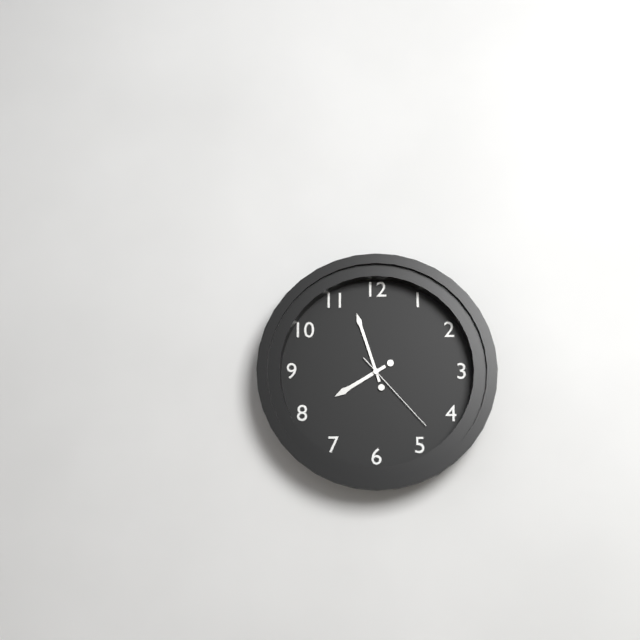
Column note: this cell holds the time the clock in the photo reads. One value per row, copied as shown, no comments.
7:57:23
